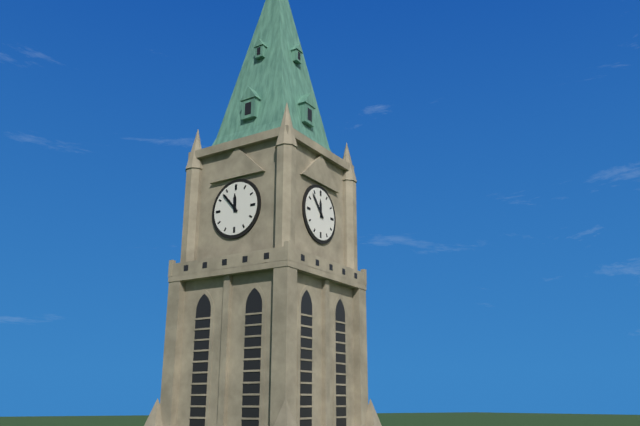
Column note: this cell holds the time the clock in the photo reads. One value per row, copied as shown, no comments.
11:53
